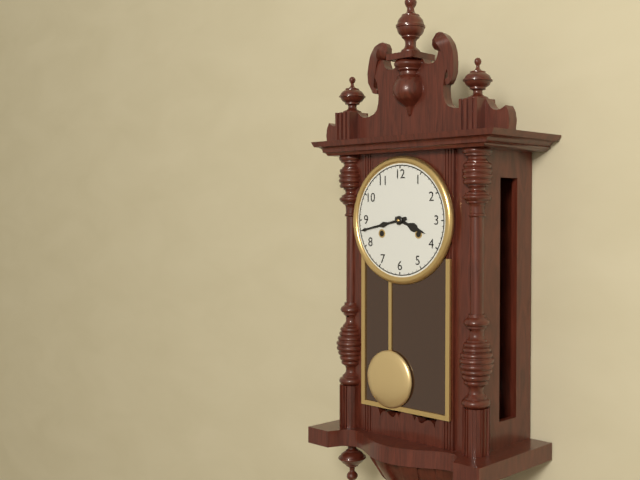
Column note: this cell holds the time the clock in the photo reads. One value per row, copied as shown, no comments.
3:43
